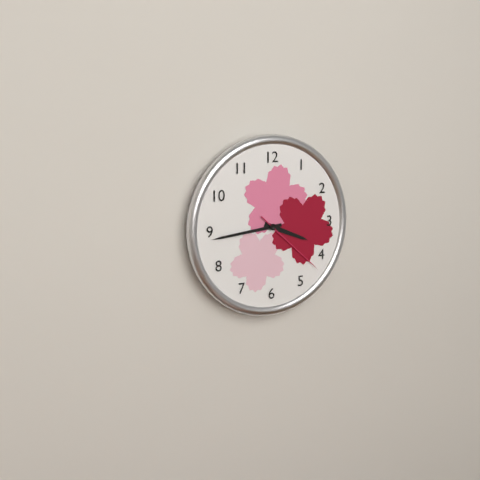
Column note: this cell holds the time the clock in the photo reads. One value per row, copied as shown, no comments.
3:44:22
